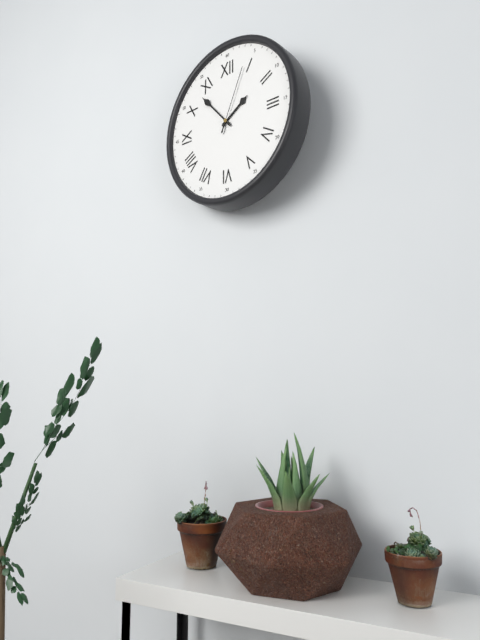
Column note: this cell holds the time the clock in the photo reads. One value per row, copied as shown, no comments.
1:53:04
